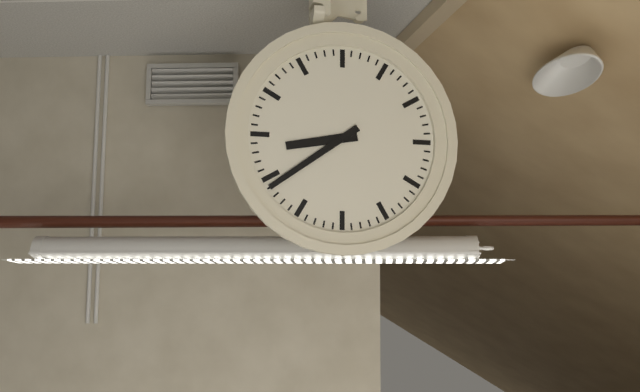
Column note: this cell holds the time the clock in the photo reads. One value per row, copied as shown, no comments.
8:39
